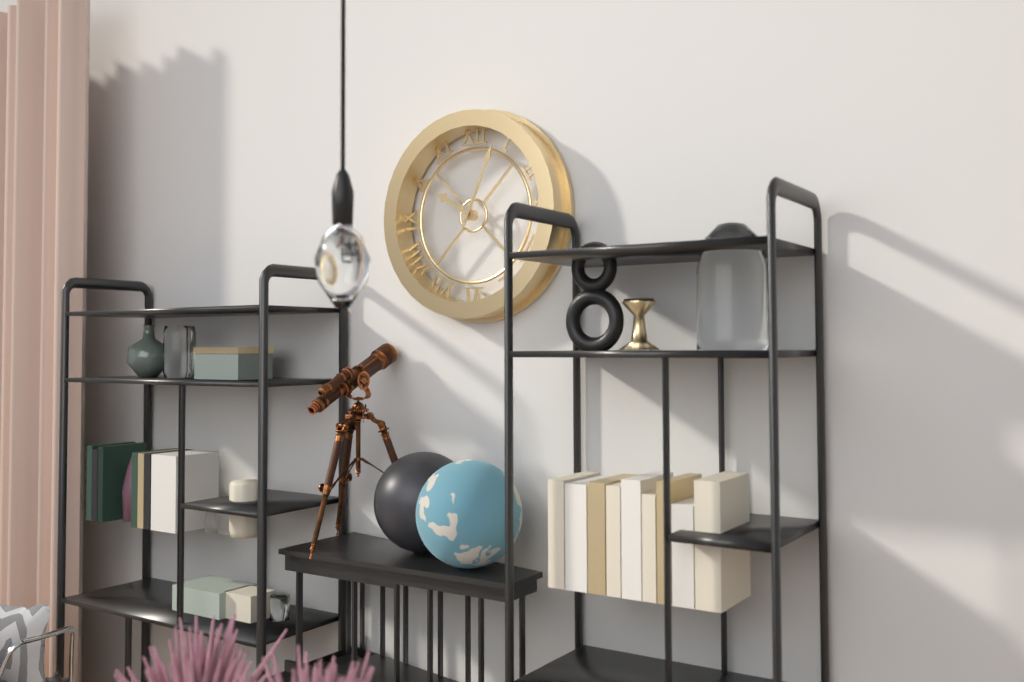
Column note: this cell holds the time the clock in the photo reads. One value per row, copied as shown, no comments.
10:04
